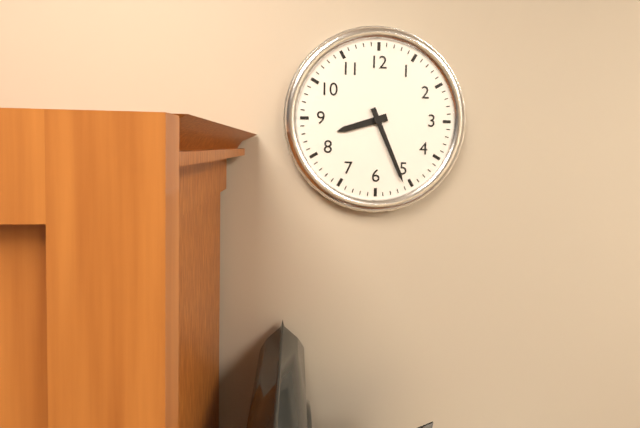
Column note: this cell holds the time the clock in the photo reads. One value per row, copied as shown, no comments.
8:26
